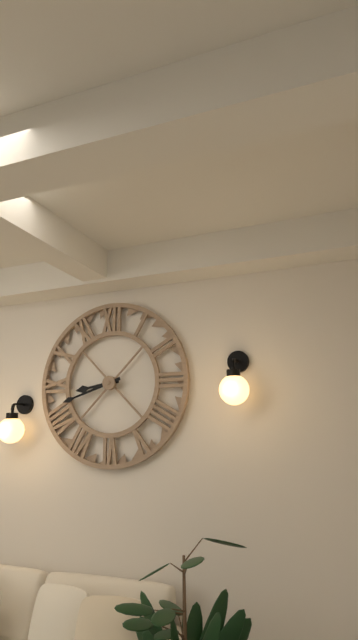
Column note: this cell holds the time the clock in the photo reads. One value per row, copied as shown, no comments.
8:42
